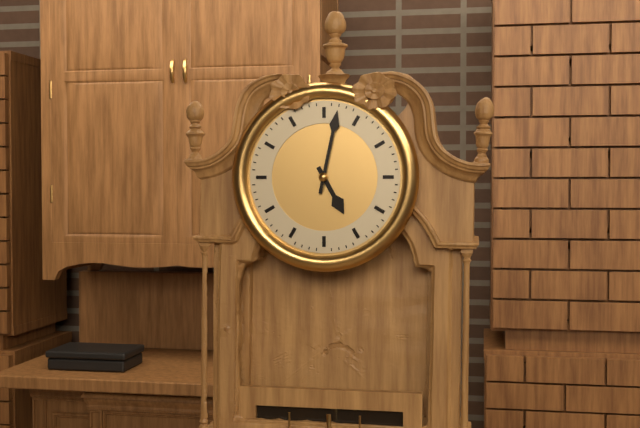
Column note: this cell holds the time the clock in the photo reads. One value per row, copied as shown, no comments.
5:02
